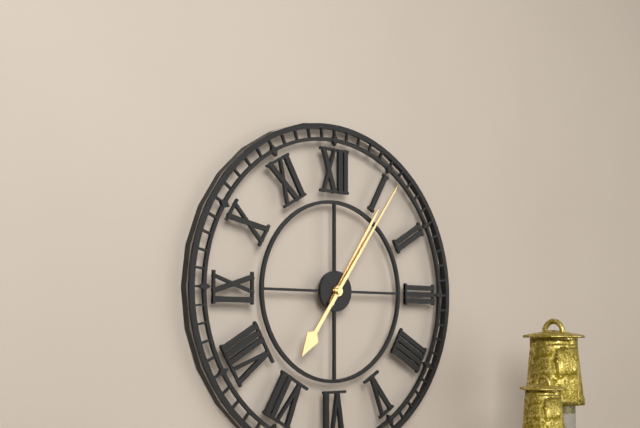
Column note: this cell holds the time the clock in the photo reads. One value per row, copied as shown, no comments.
1:06
